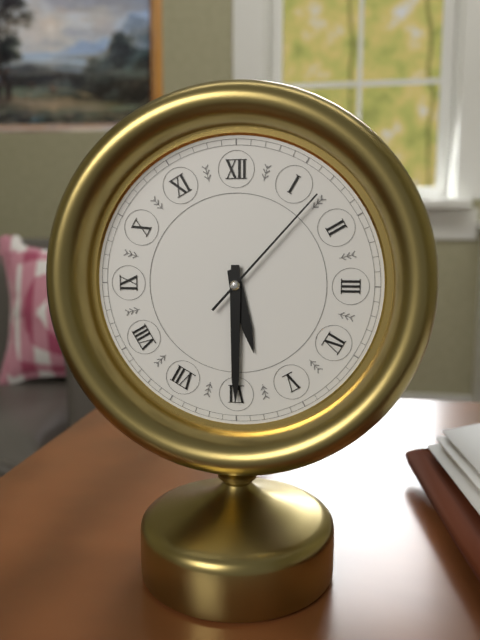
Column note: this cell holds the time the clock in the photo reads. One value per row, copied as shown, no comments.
5:30:07
